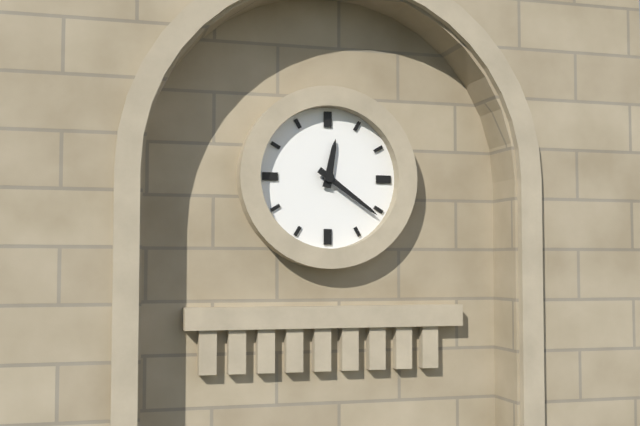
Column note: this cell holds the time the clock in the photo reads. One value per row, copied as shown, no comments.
12:21
